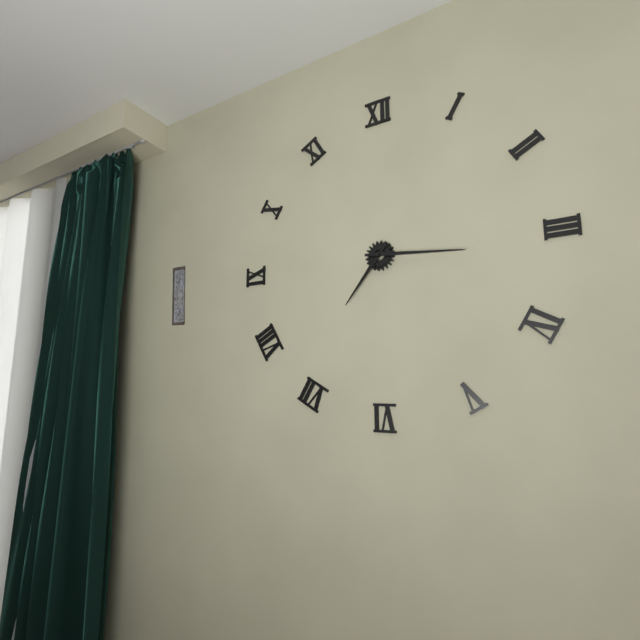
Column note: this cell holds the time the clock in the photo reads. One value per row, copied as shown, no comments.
7:16
